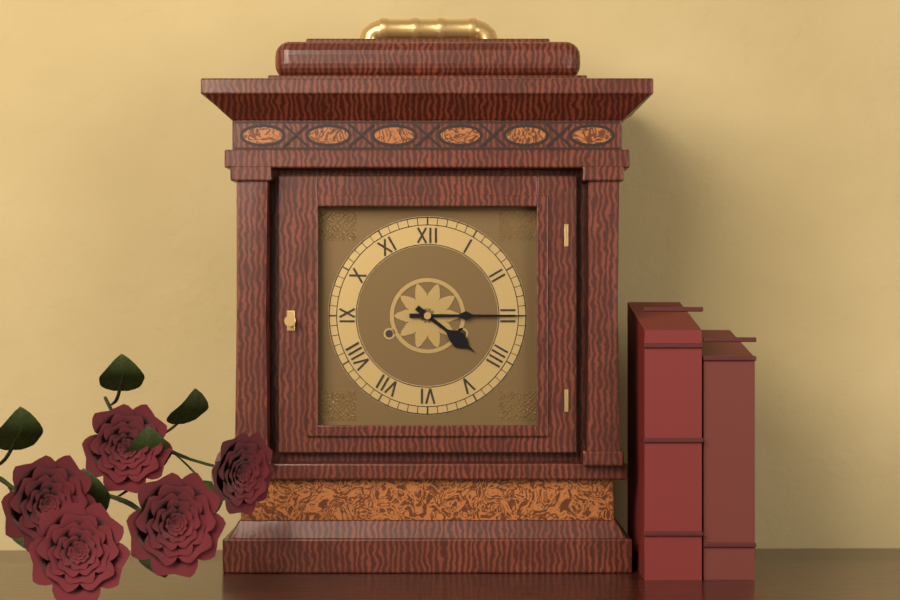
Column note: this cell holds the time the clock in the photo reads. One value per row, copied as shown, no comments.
4:15
